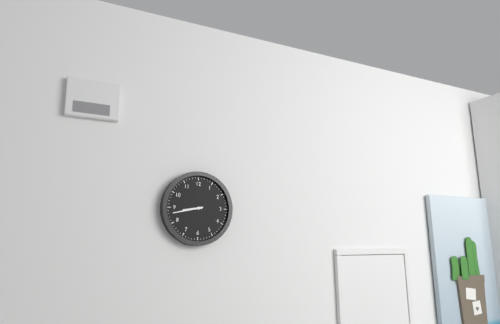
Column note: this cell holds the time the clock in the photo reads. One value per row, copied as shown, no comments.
8:43
